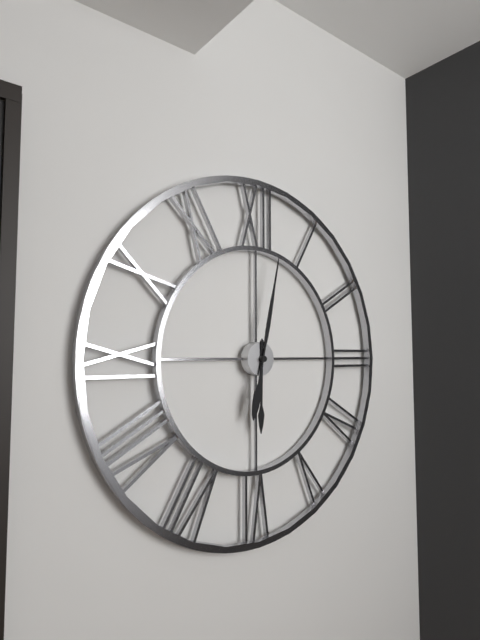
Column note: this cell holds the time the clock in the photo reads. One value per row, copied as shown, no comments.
6:02
